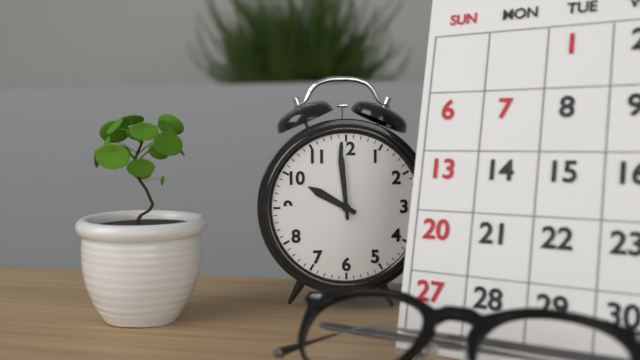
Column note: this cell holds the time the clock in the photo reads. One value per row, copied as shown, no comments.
9:59
